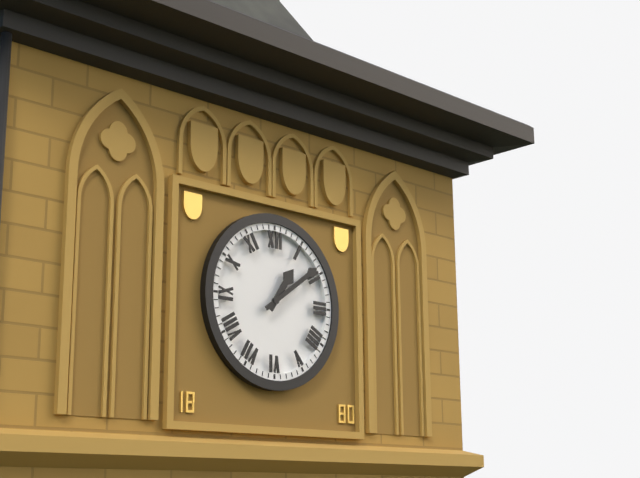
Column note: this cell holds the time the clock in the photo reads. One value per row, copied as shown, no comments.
1:09
